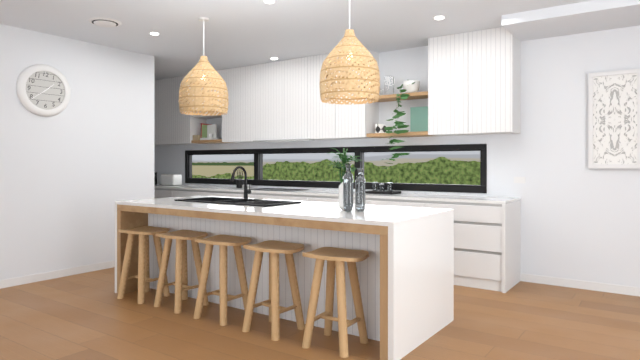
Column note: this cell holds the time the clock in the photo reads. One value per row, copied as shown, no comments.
1:39
